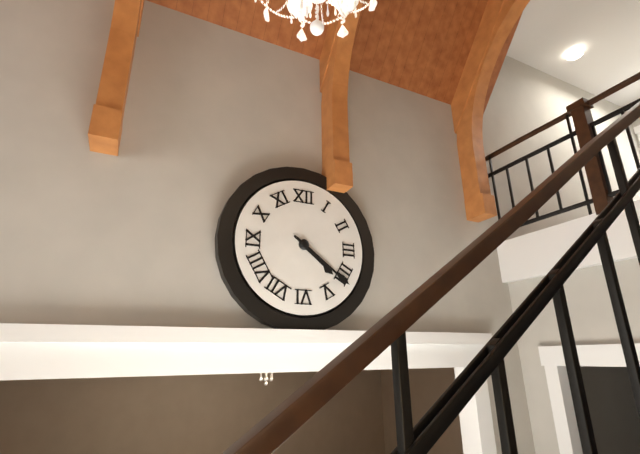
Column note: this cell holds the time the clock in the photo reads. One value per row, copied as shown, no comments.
4:21
